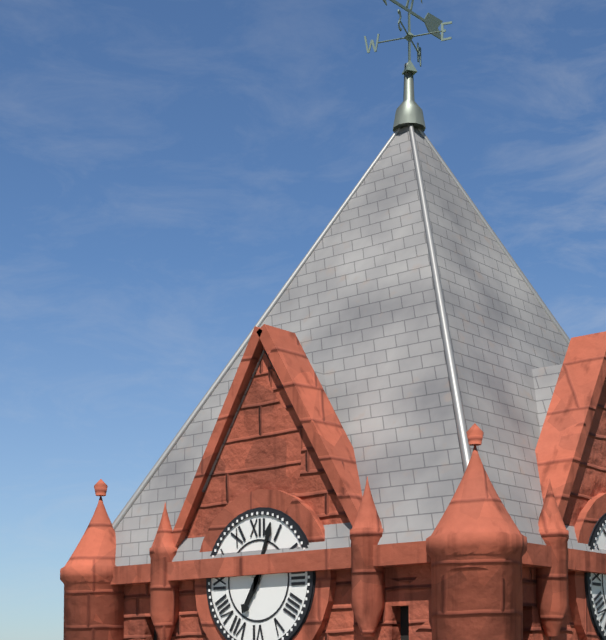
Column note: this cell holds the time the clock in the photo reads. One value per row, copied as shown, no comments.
7:03
